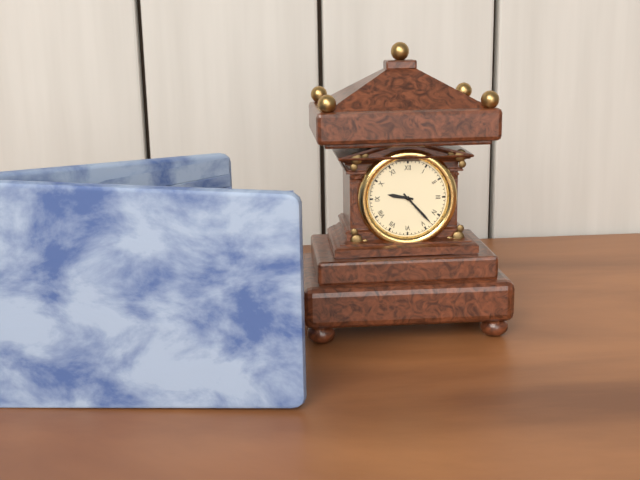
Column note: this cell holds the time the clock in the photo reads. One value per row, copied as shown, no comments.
9:23
